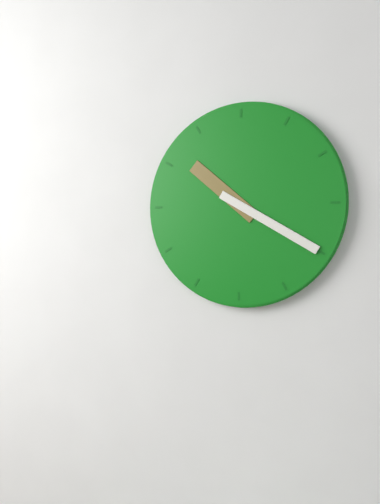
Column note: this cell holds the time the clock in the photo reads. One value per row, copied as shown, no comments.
10:20
